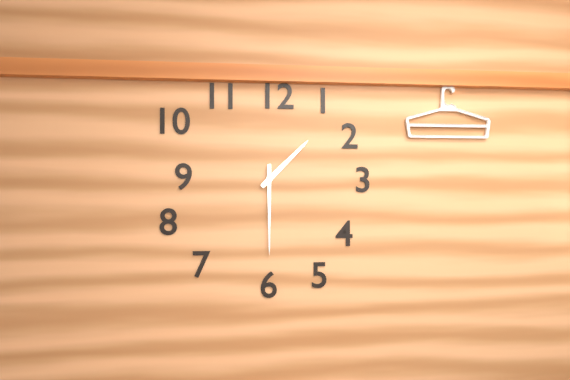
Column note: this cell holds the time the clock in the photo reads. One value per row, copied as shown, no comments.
1:30
